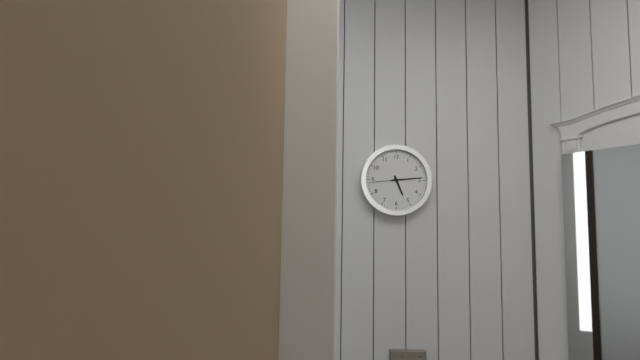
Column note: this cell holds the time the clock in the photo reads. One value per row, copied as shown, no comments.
5:14
